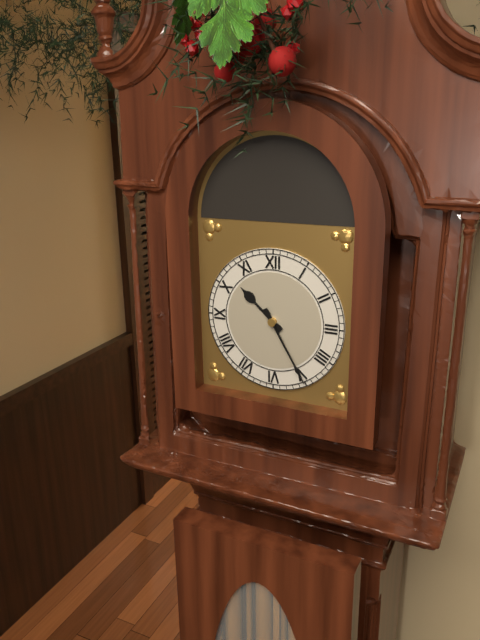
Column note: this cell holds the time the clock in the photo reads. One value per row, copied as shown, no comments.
10:25
